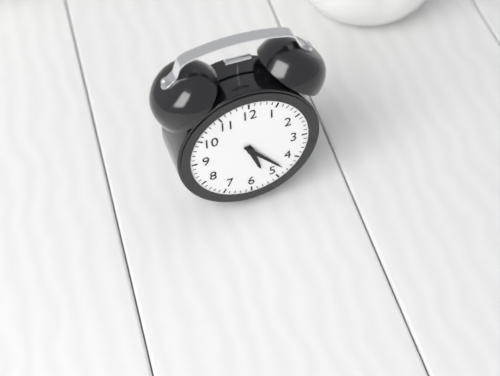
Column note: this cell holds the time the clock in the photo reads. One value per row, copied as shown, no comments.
5:23
